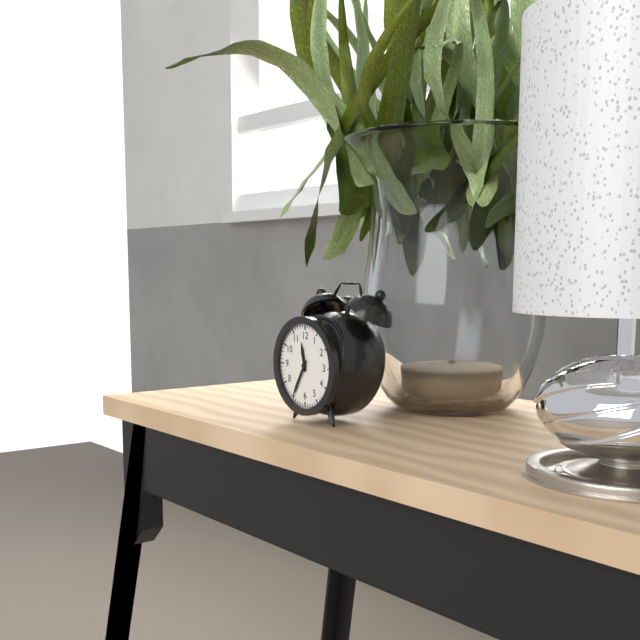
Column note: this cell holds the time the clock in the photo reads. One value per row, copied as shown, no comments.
11:35
